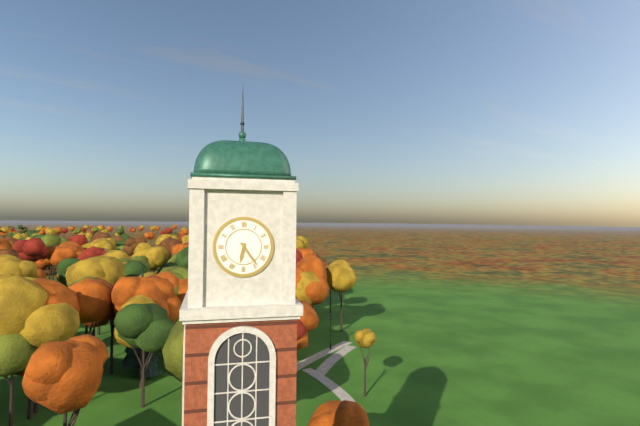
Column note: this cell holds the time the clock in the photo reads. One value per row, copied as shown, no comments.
6:24
